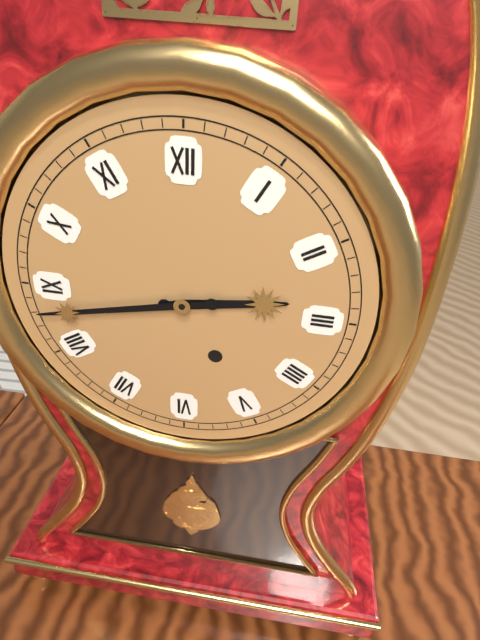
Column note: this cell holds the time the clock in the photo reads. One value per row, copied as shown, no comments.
2:43
